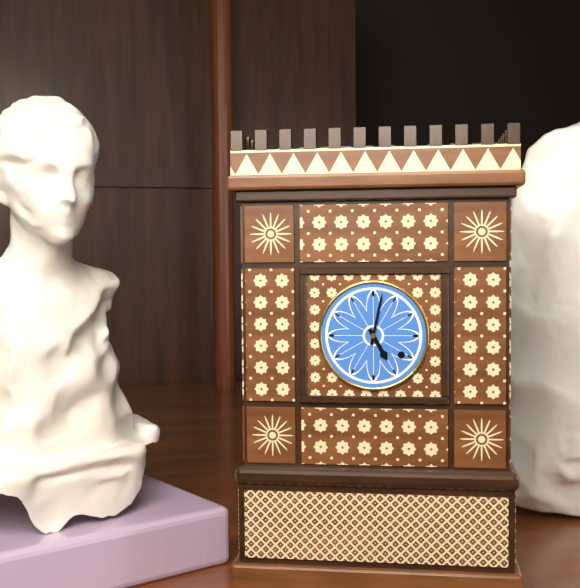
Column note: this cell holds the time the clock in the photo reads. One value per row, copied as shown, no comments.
5:02
